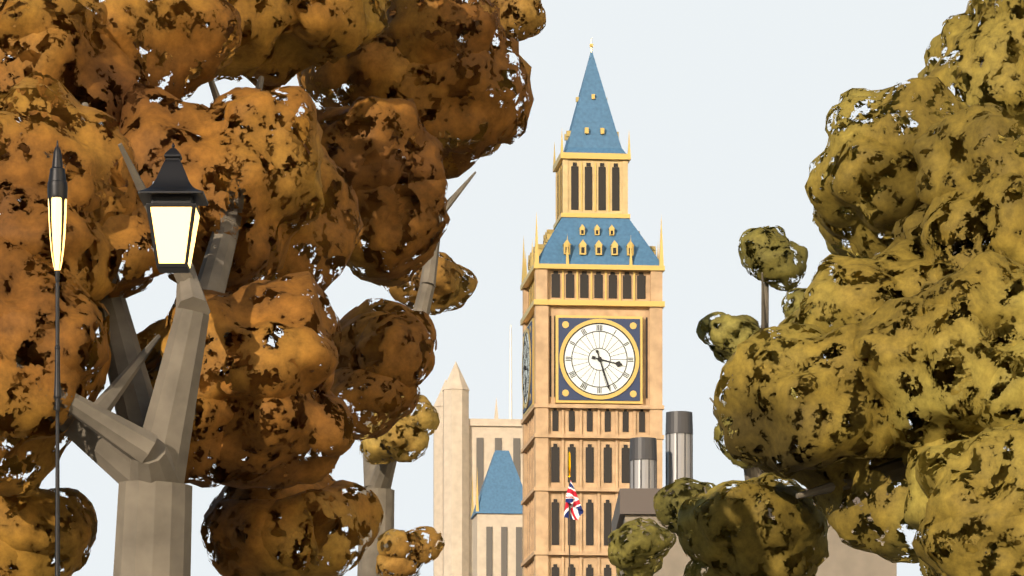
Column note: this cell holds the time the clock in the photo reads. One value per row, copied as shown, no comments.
3:27
